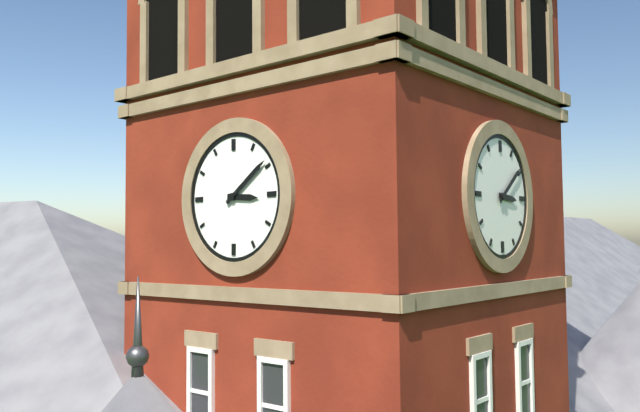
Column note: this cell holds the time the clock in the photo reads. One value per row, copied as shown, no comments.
3:09
